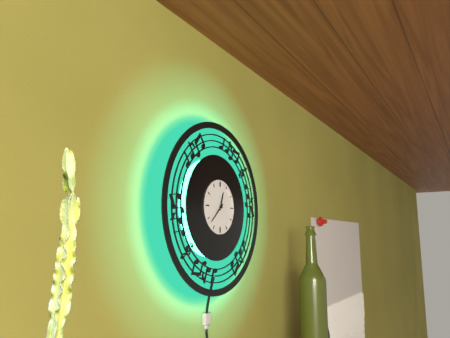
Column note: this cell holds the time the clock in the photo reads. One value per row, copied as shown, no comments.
12:38
